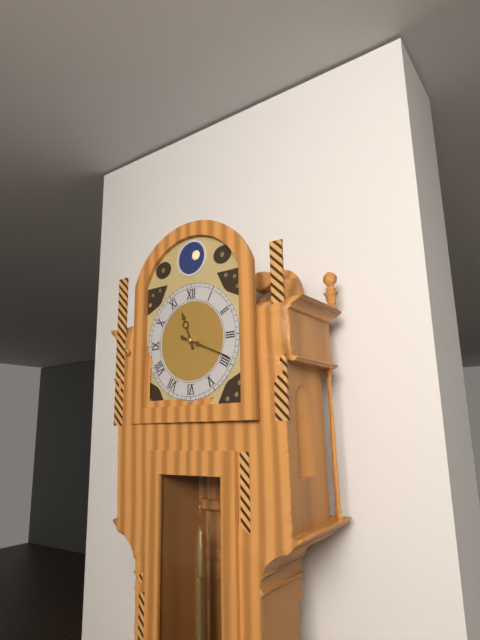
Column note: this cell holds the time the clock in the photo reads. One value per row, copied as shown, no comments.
11:19
